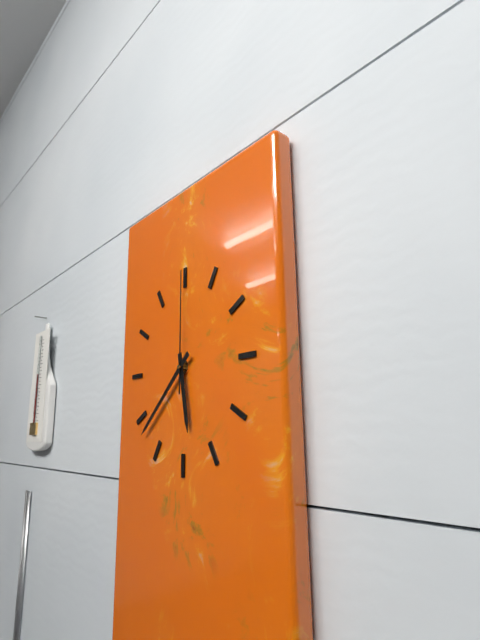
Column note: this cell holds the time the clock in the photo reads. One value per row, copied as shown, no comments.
5:38:00
